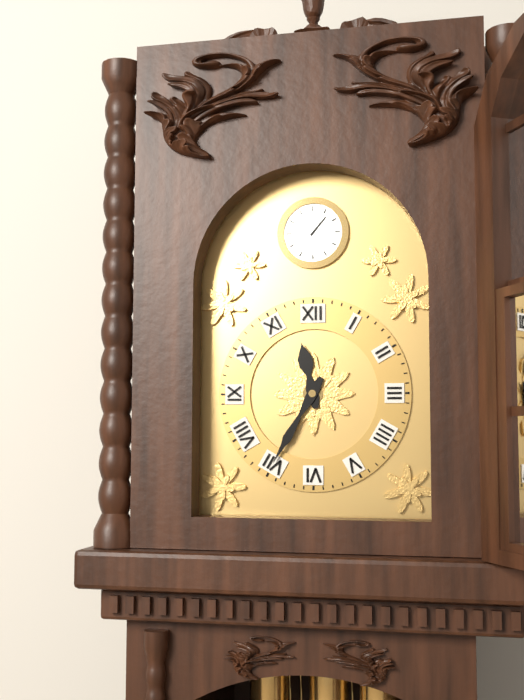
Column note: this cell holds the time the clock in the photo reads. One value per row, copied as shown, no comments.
11:35
